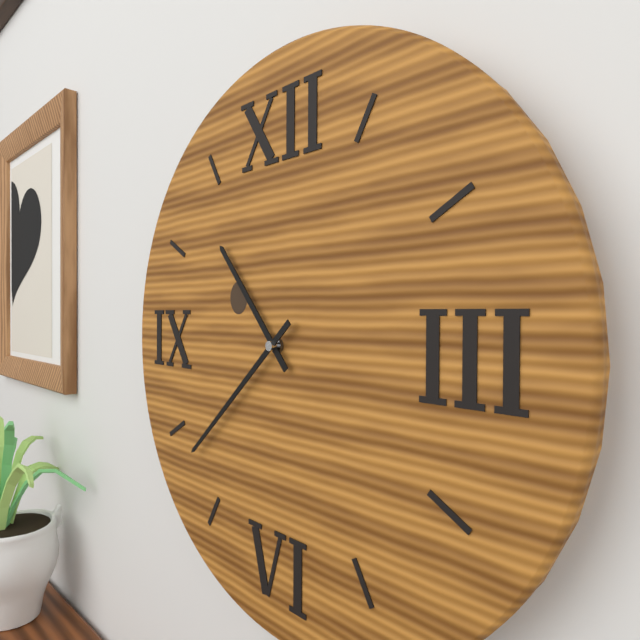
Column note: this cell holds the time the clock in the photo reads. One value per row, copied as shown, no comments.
10:38
